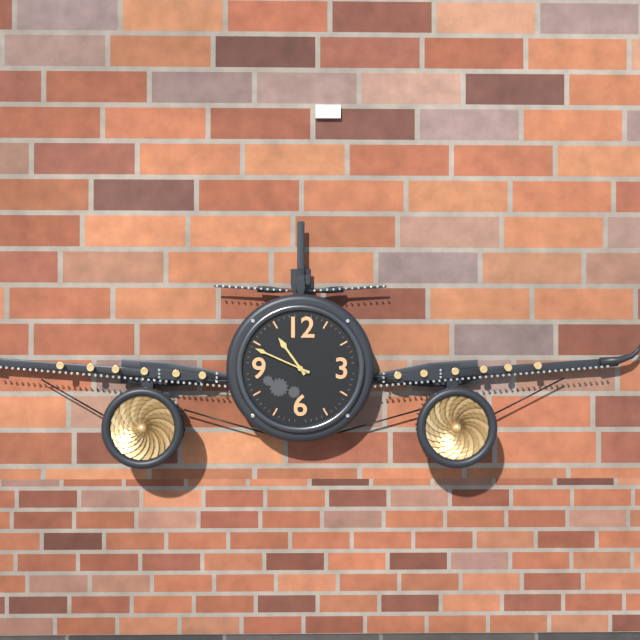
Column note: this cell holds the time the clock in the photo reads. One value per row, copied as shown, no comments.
10:49
